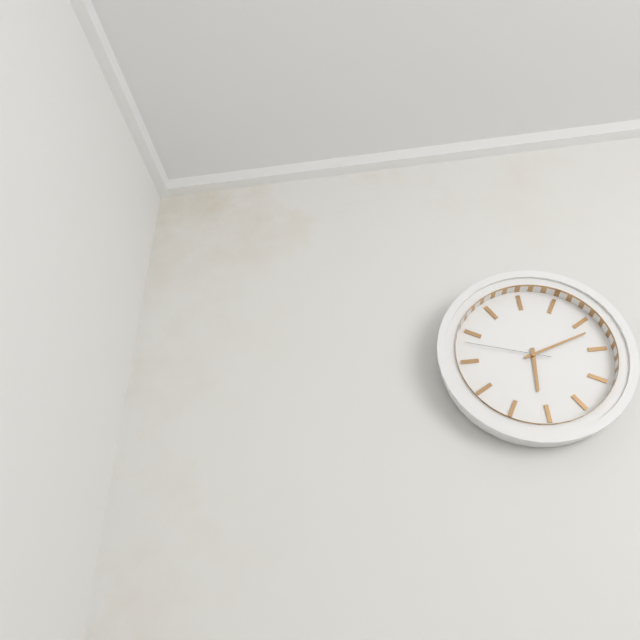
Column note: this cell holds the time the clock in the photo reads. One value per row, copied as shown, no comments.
6:12:48
